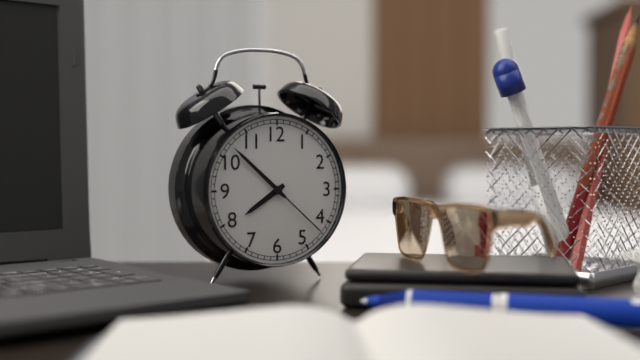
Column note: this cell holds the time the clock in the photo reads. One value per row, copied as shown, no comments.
7:52:22
